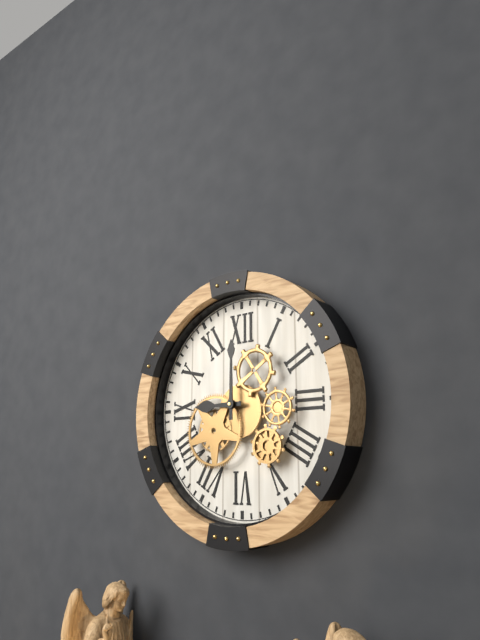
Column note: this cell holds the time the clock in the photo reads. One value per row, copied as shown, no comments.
9:00
